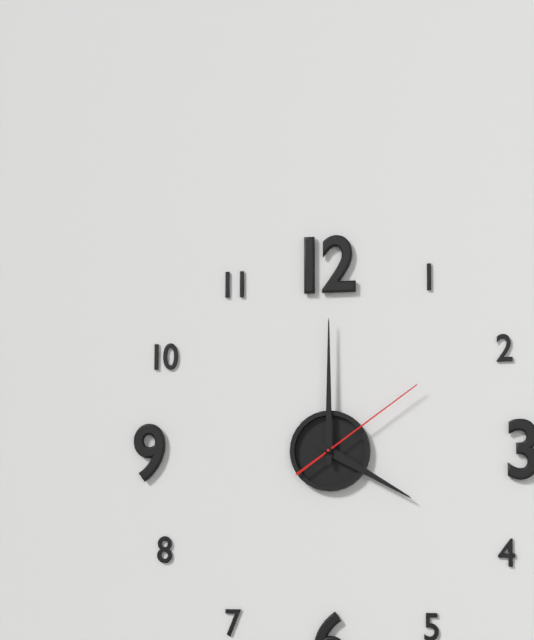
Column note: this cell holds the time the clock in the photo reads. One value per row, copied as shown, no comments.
4:00:09
